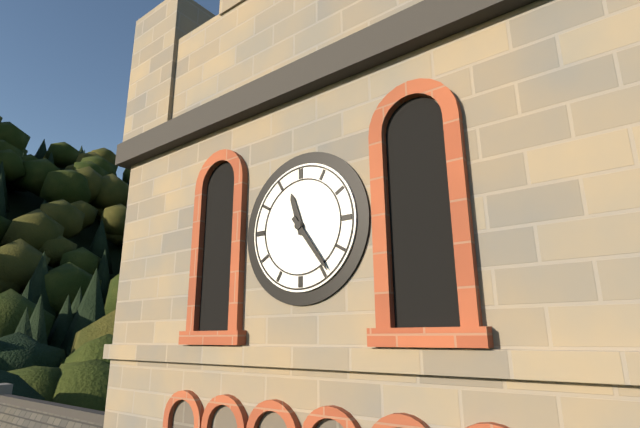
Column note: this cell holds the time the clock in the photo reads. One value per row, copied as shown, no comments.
11:24
